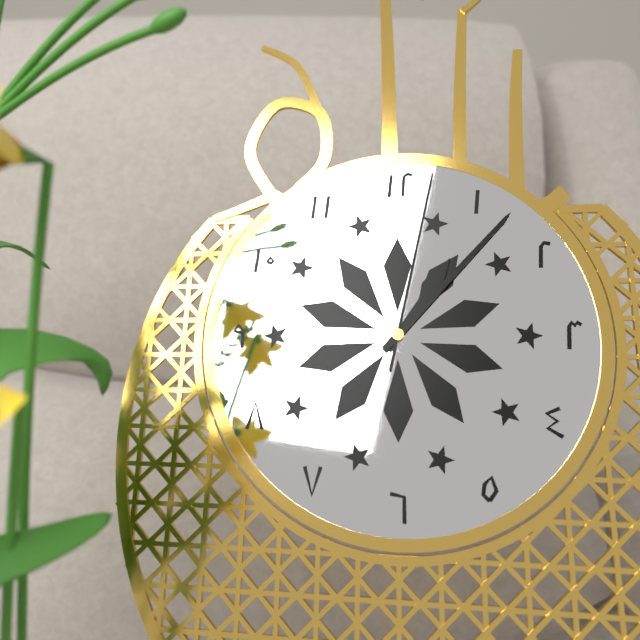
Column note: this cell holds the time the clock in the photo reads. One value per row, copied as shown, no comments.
1:07:02
